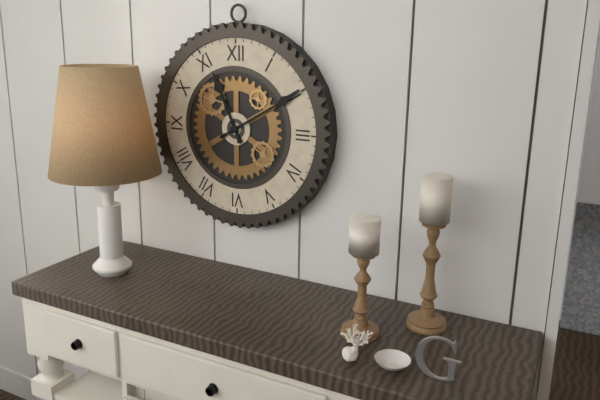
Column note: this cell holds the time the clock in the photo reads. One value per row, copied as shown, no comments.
11:10
